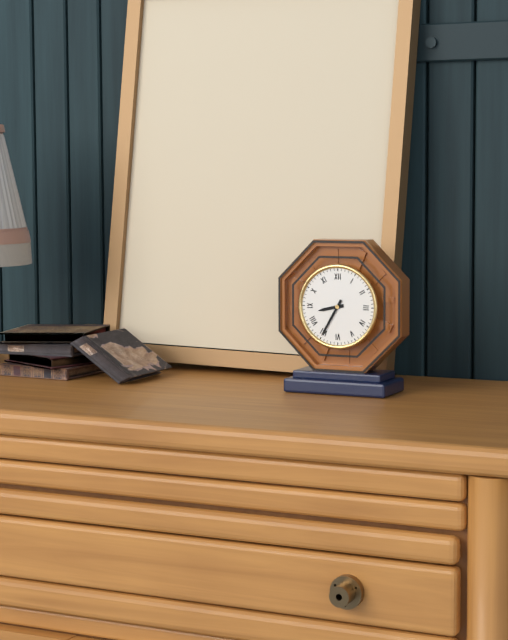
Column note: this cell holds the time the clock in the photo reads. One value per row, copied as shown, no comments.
8:35
